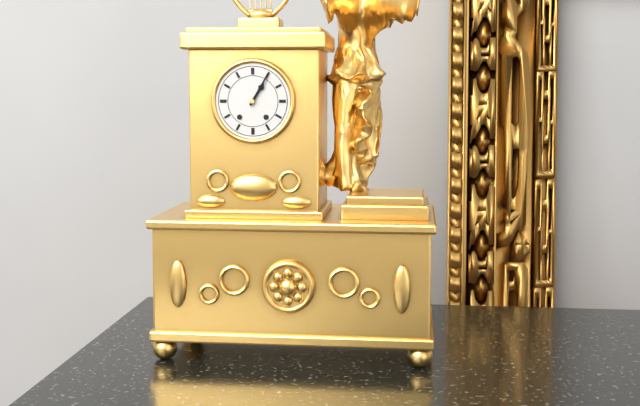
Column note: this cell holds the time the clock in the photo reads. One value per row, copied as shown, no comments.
1:05
